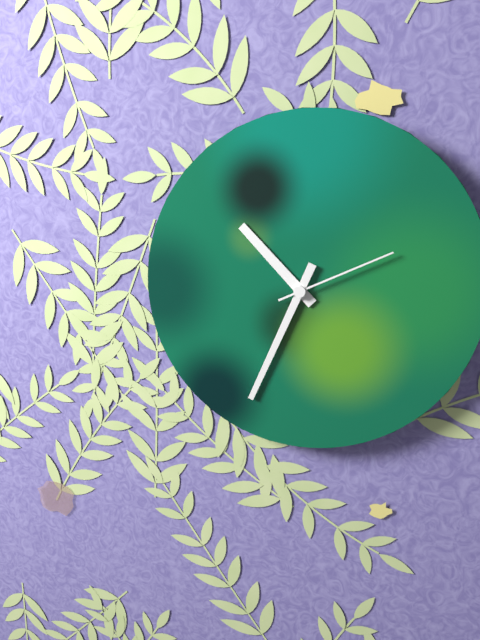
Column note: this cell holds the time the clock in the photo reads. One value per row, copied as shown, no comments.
10:34:11
